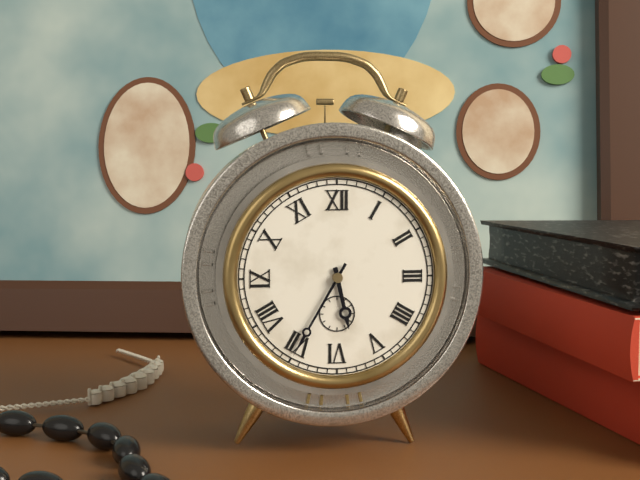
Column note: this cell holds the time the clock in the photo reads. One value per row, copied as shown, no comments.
5:35
